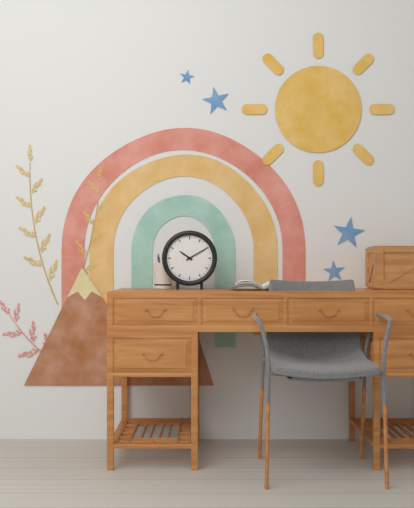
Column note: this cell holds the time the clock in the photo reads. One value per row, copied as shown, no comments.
10:10
